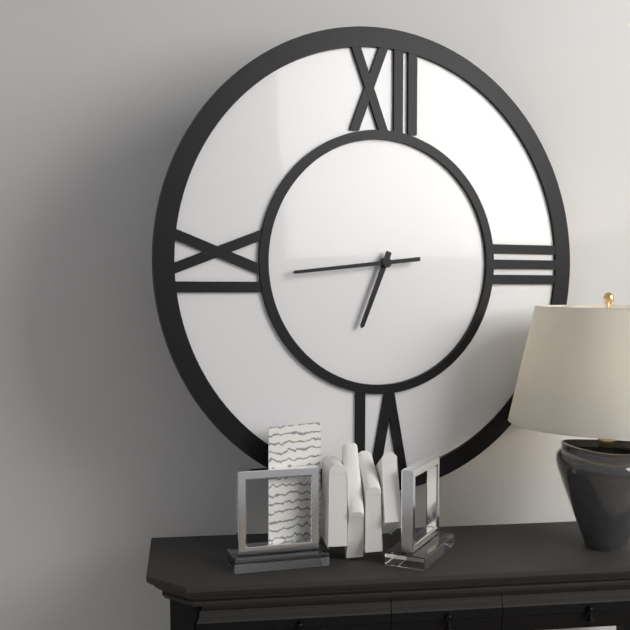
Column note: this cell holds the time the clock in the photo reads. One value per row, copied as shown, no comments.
6:44
